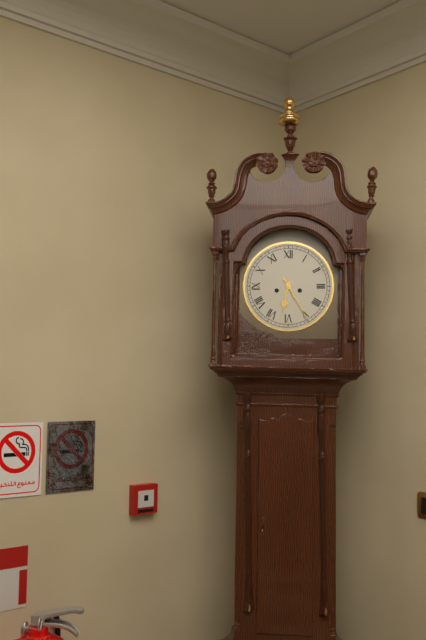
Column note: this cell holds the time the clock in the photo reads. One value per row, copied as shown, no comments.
6:25
